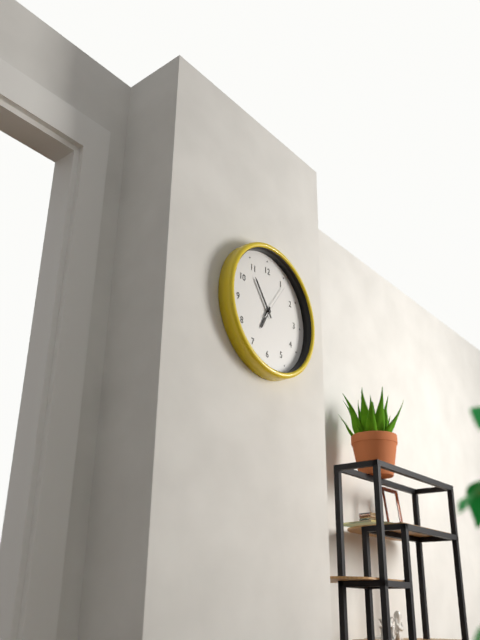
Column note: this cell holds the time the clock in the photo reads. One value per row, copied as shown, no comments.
6:54
